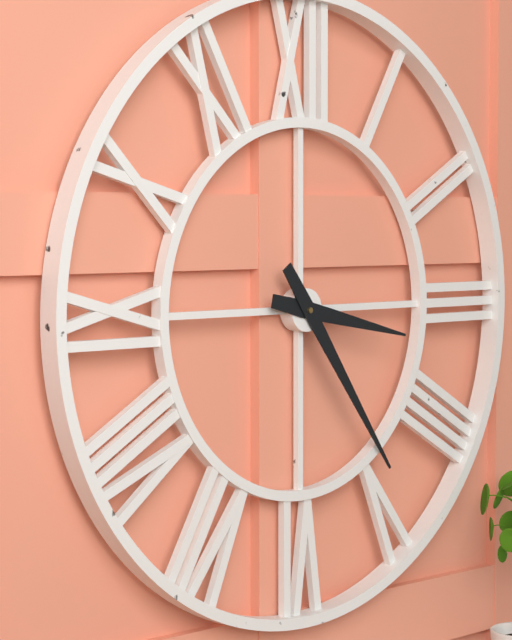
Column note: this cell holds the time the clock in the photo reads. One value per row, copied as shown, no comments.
3:24
